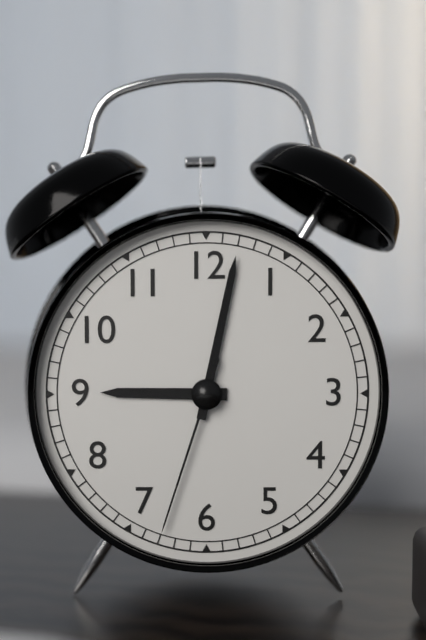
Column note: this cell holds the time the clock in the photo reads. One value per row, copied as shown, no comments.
9:02:33
